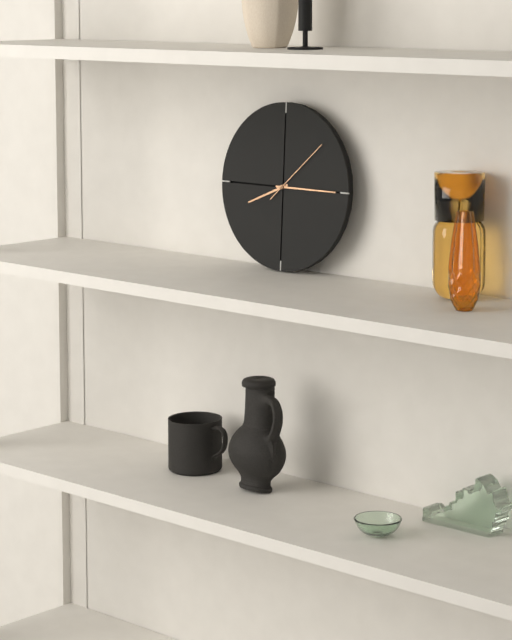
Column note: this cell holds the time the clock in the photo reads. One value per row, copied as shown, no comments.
8:15:08
